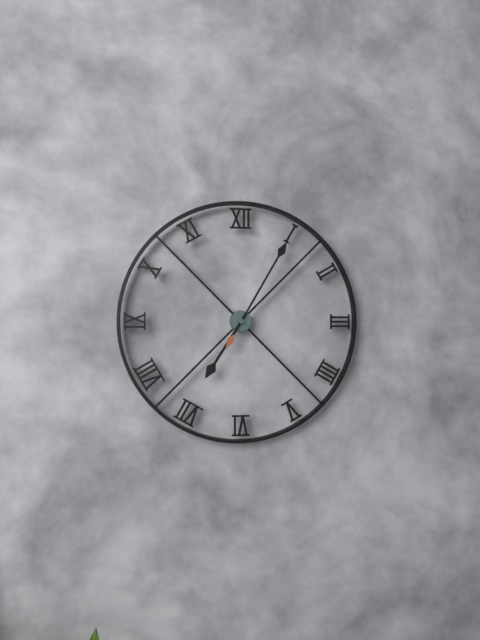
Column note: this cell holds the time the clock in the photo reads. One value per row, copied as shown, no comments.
7:05
